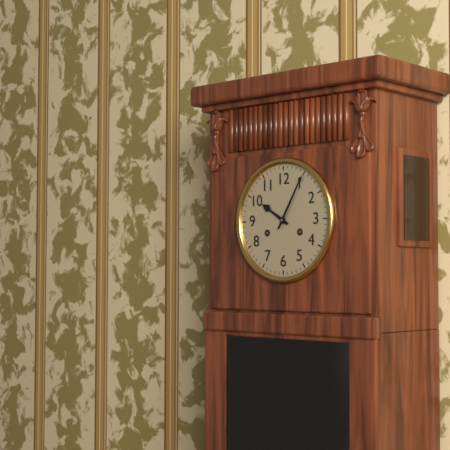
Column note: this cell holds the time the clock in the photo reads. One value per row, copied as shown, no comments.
10:05
